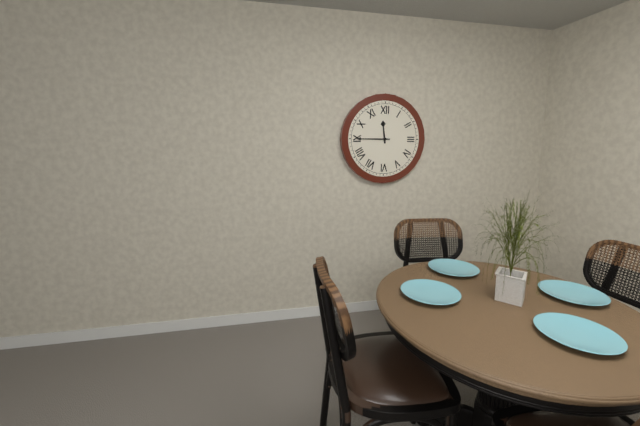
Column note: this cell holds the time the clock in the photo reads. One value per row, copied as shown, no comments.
11:45
